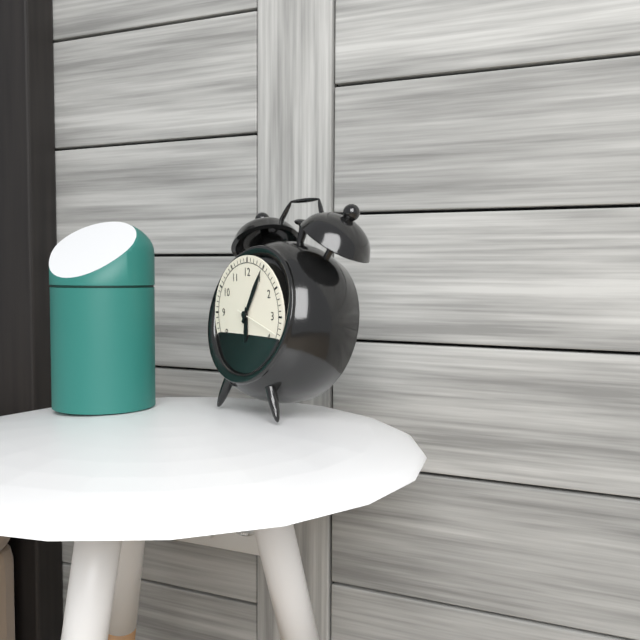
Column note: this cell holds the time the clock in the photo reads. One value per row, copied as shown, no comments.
6:05
